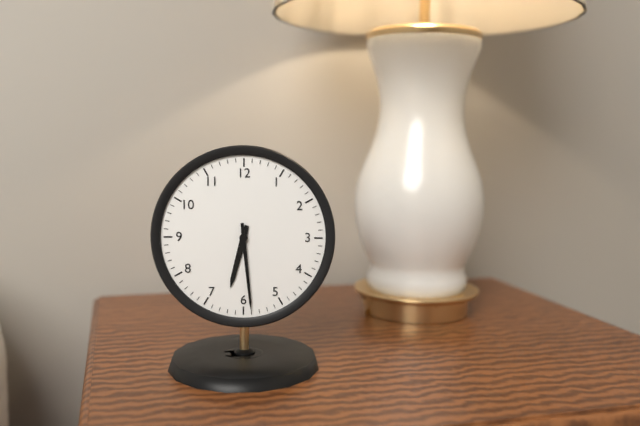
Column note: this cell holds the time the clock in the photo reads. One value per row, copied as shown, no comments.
6:29
